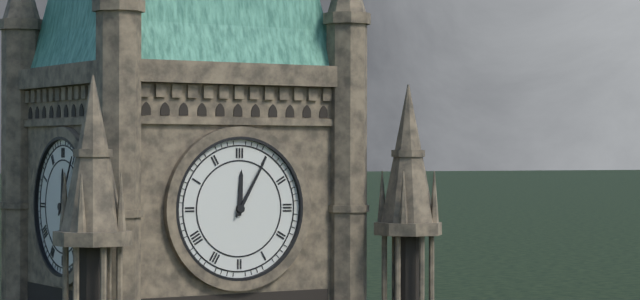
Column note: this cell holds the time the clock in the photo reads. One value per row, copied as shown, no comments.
12:05
